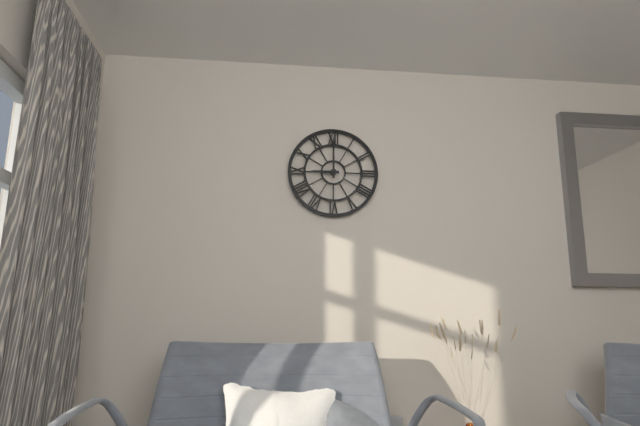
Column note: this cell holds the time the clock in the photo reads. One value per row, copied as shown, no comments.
9:00
